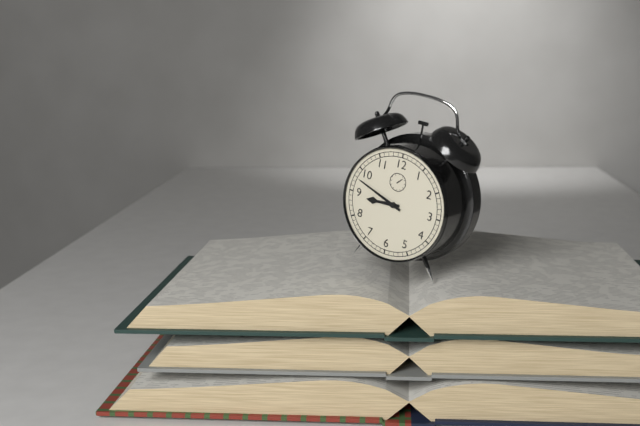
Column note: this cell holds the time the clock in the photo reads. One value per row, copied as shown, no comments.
8:48
